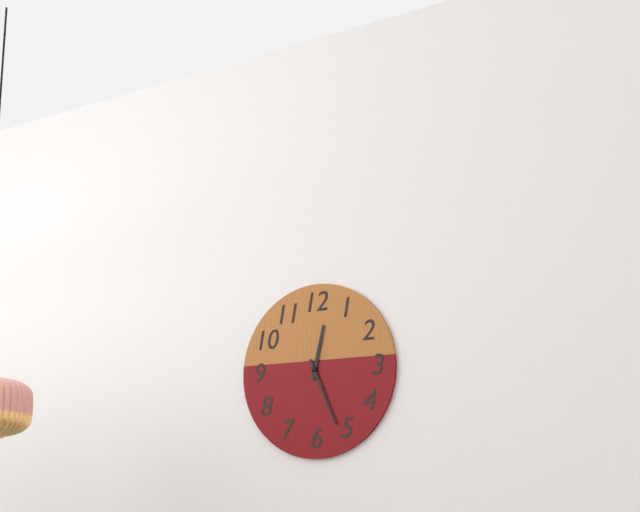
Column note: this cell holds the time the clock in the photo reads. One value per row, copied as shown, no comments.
12:26
